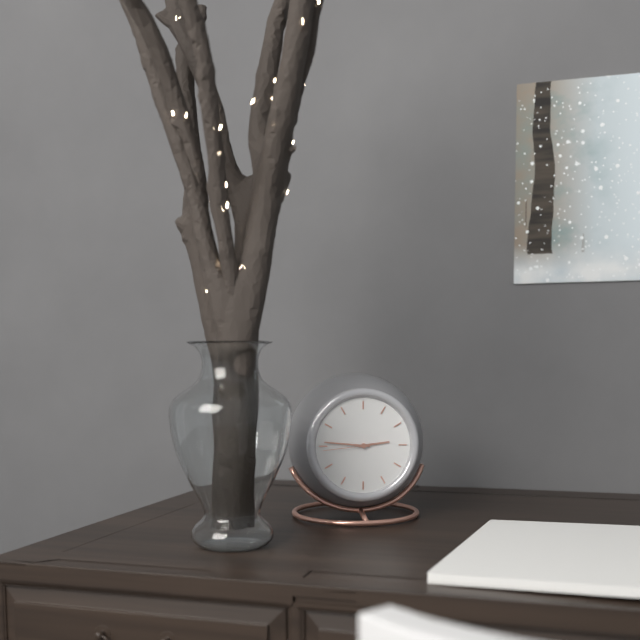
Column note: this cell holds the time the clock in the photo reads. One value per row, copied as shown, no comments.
2:46:44
